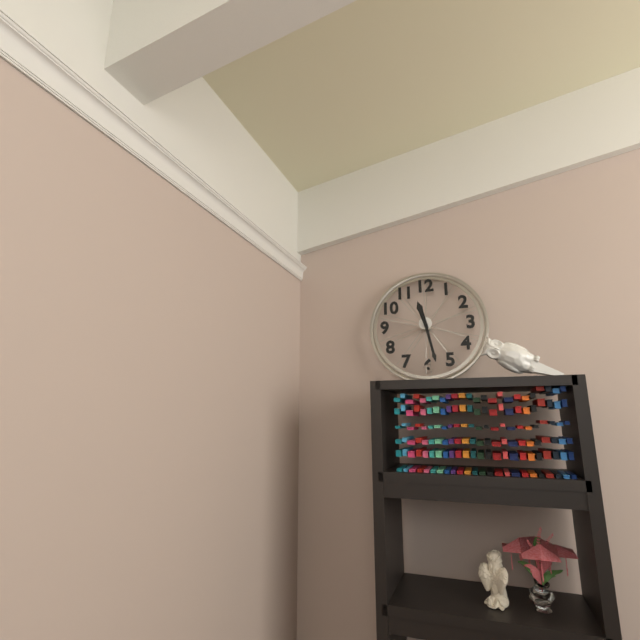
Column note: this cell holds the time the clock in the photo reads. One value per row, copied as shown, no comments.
11:28
